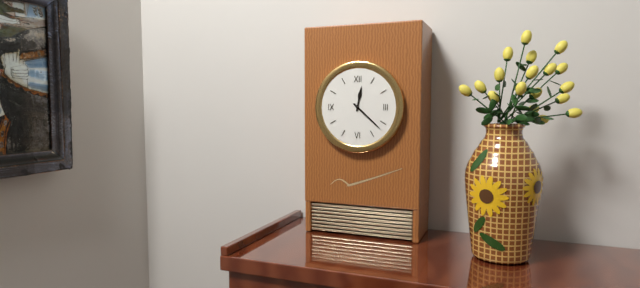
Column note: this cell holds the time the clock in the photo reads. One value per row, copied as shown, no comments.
12:22
